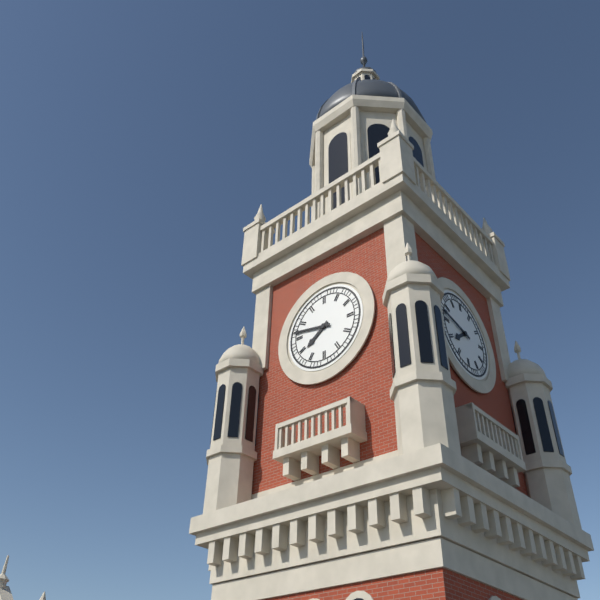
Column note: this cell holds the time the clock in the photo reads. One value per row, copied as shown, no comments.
7:47
